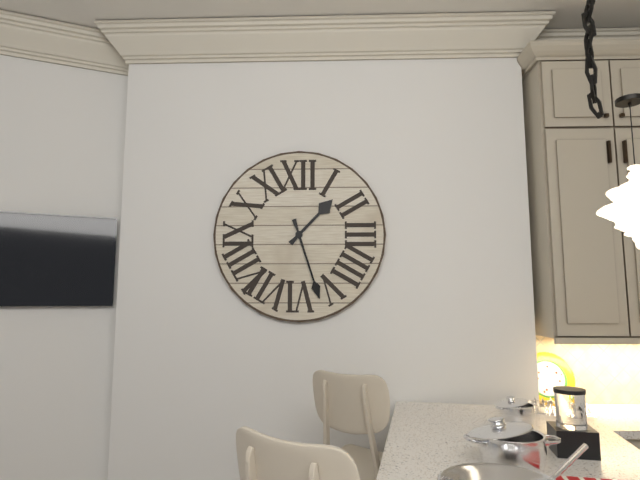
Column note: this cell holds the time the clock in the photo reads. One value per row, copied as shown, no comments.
1:27
